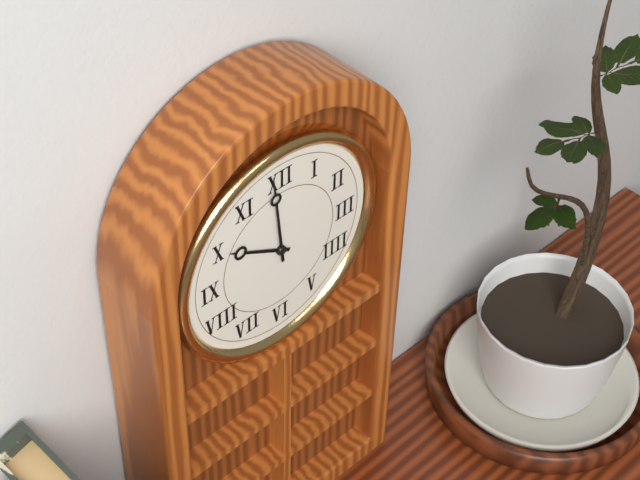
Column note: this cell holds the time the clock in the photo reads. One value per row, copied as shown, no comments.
9:59
